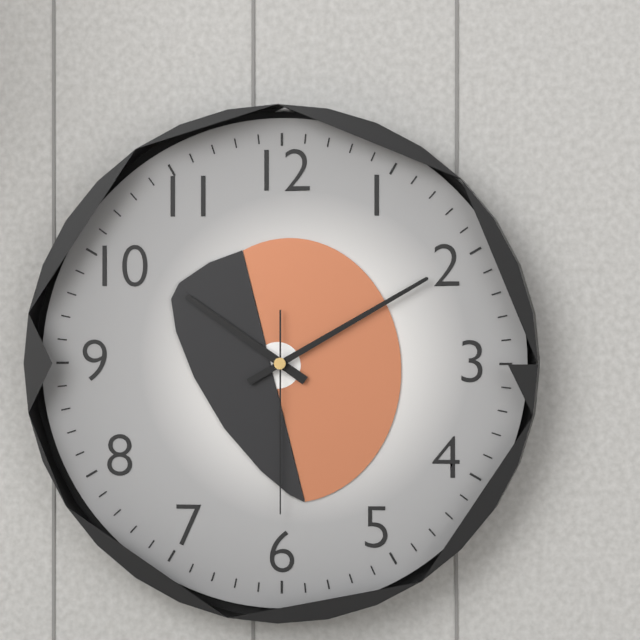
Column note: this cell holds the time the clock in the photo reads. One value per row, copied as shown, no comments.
10:10:30
